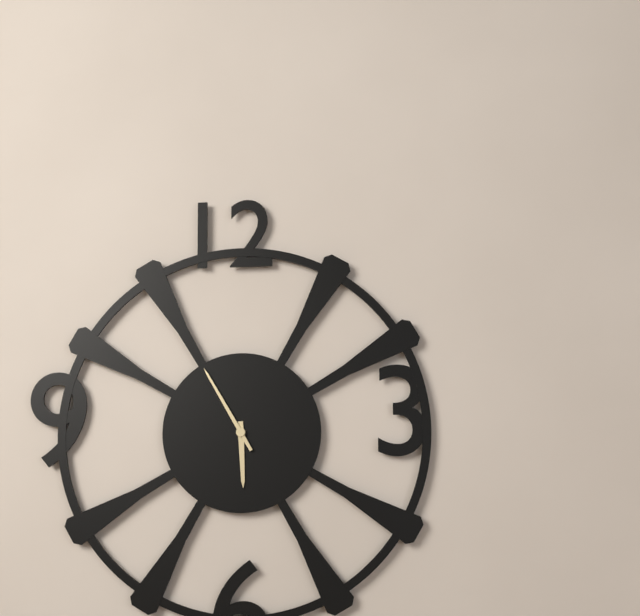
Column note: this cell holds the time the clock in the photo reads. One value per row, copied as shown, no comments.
5:55
